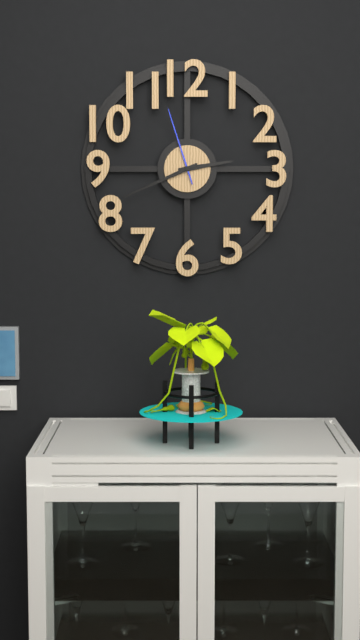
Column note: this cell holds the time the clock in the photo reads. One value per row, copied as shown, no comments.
2:41:57
